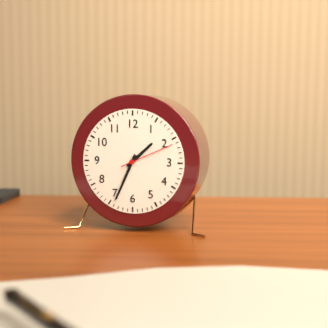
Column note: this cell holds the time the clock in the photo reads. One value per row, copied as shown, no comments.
1:34:11
